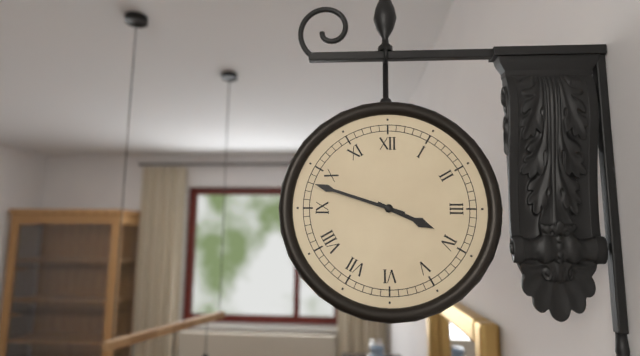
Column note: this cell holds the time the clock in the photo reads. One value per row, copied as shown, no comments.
3:48
